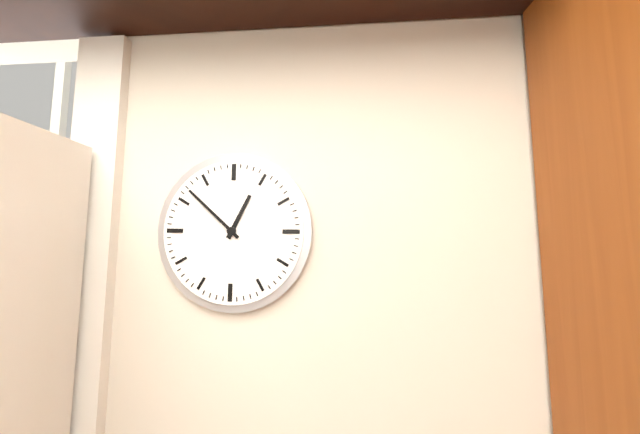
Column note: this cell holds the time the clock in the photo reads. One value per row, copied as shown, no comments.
12:52
